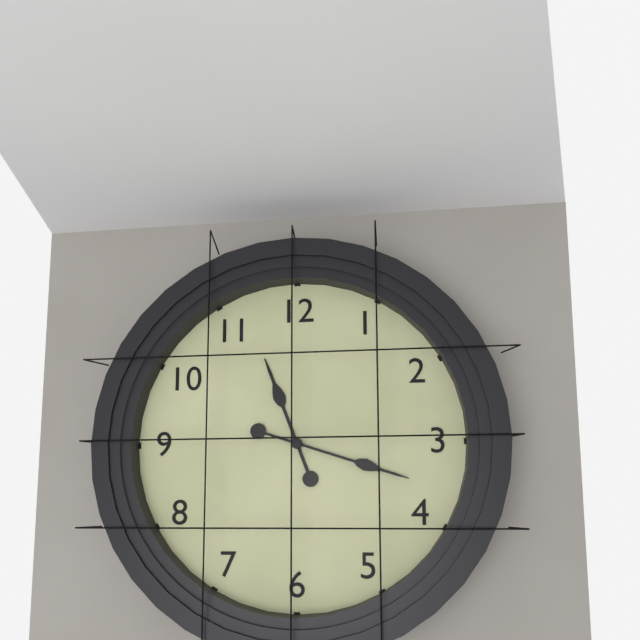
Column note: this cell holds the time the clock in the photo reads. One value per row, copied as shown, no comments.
11:18
